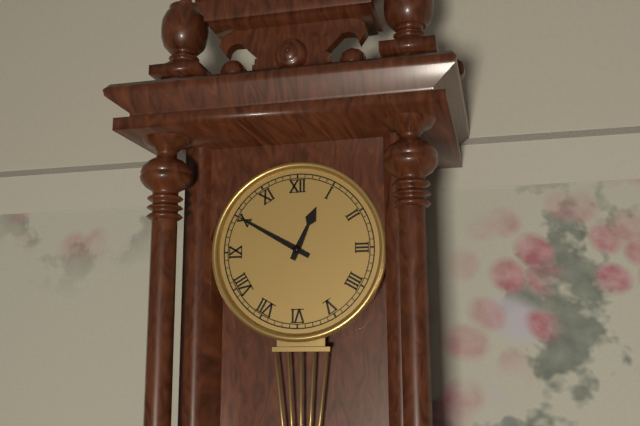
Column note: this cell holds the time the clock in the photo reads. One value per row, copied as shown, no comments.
12:50
